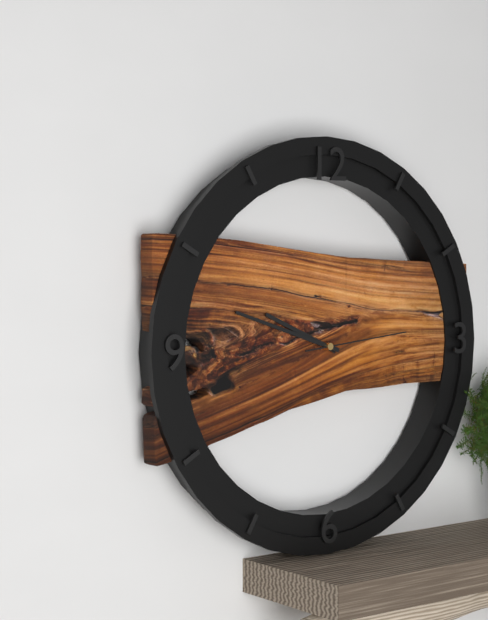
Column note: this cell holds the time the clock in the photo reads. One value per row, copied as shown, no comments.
9:48:14
